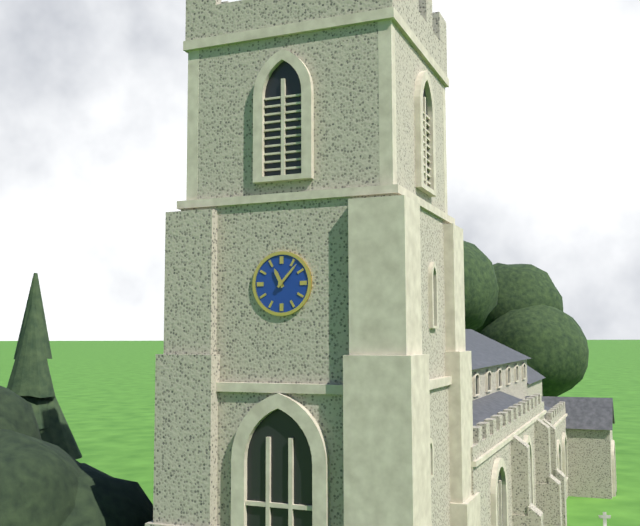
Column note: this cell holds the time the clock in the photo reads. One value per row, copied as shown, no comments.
11:07
